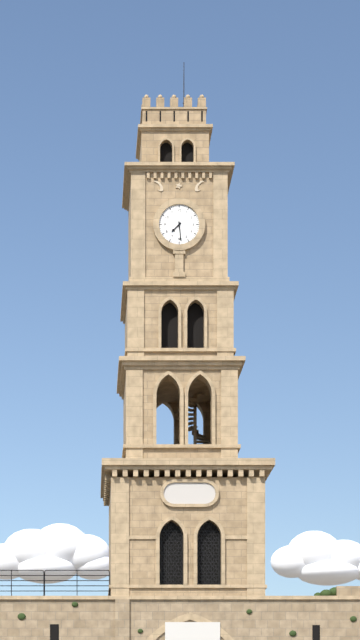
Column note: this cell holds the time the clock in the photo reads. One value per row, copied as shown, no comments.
7:29
